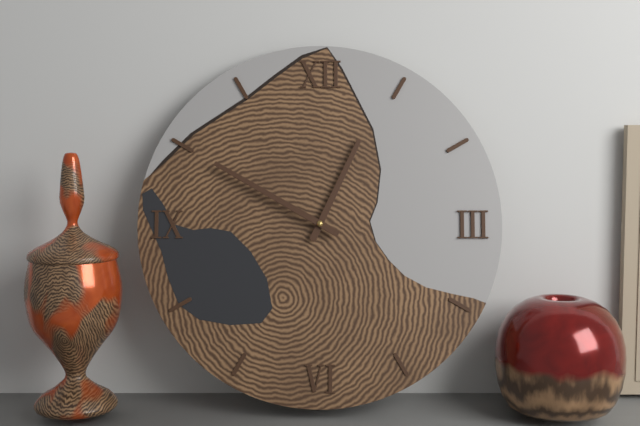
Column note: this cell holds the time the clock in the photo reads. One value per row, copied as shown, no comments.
12:50
